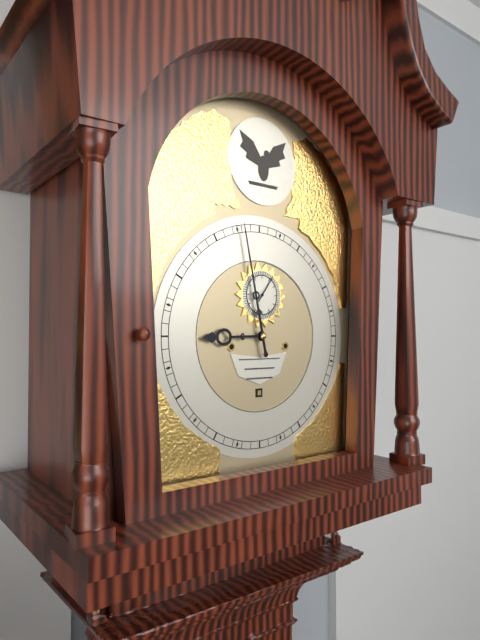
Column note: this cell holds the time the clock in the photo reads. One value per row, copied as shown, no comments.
8:58
